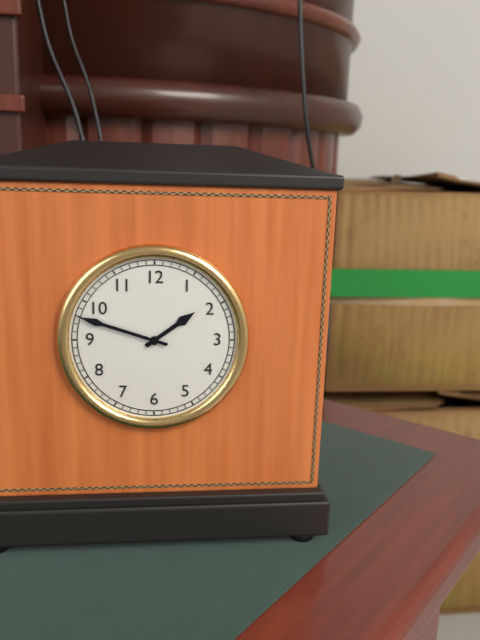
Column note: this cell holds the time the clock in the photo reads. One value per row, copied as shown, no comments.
1:48
